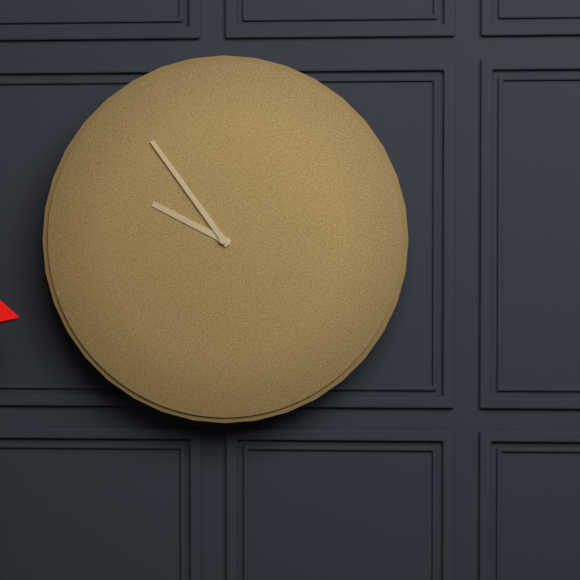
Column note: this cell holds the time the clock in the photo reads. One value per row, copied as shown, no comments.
9:54
